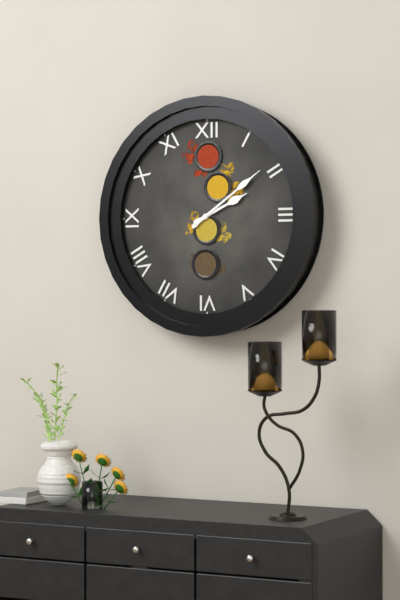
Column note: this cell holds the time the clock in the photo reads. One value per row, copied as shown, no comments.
2:09
